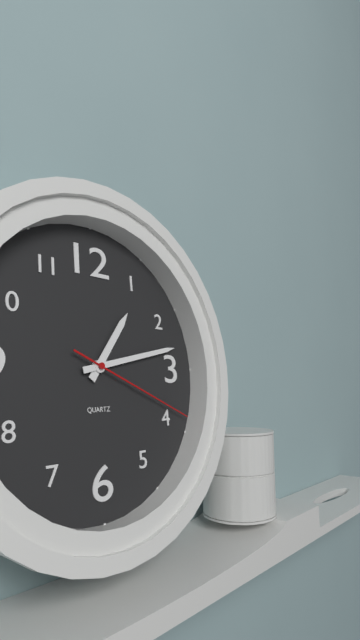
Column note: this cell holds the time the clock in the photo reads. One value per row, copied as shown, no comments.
1:13:19
